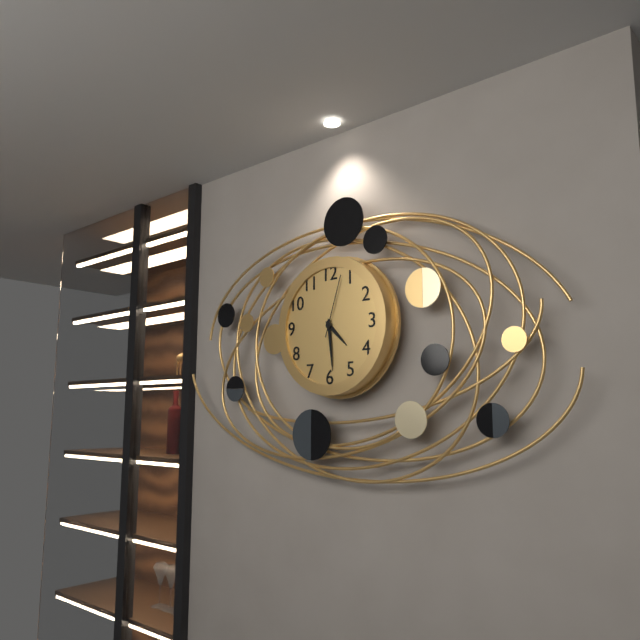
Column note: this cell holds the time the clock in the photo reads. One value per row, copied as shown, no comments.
4:29:03
